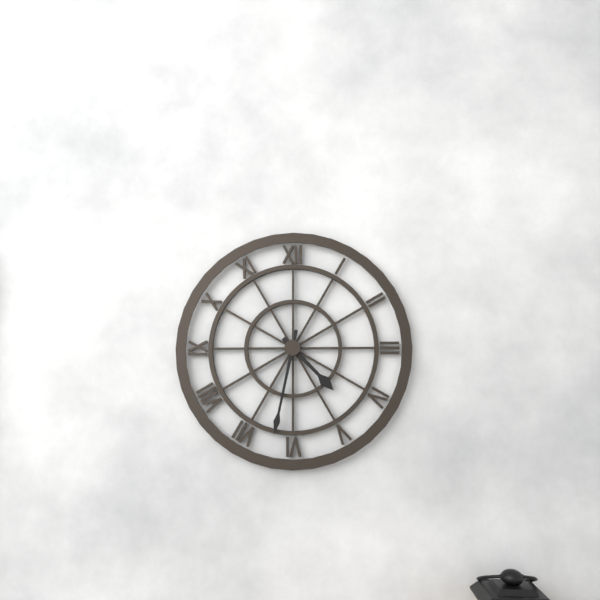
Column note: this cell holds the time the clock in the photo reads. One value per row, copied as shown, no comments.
4:32
